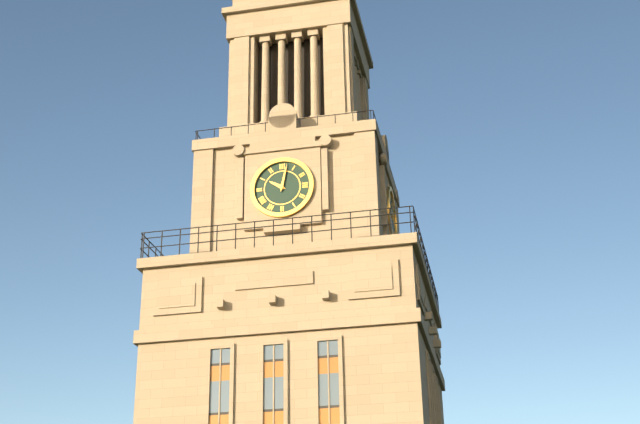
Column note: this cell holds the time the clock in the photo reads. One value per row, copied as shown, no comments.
10:02
